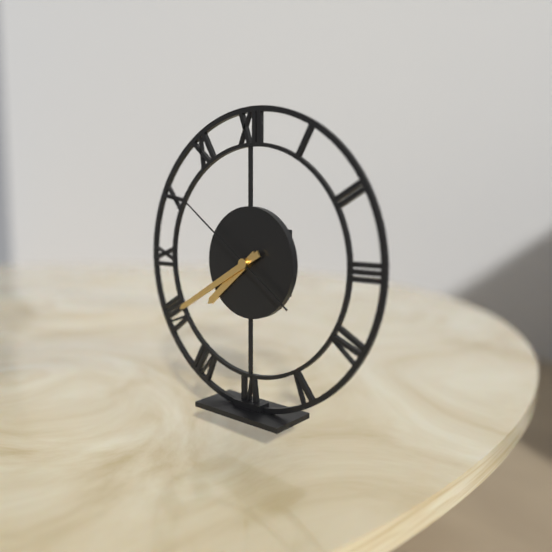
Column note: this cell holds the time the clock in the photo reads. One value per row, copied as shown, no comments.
7:40:51
